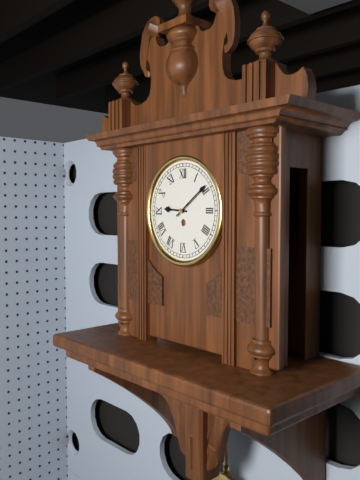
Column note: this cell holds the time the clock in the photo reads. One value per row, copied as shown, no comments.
9:09
